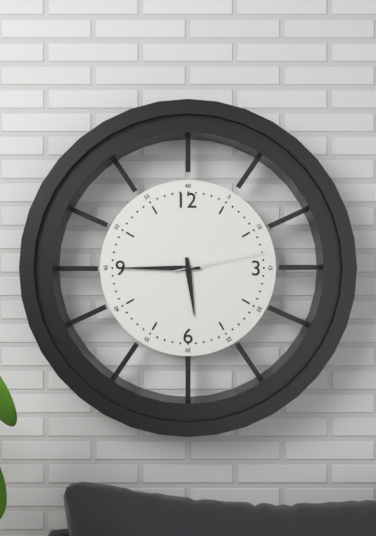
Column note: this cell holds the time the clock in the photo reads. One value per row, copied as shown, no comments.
5:45:13
